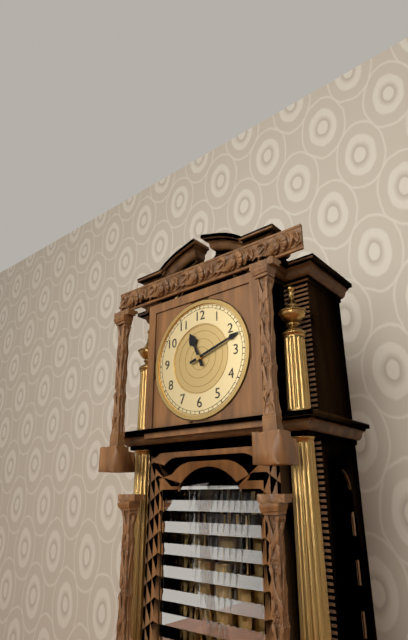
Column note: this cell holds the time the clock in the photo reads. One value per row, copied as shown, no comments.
11:12
